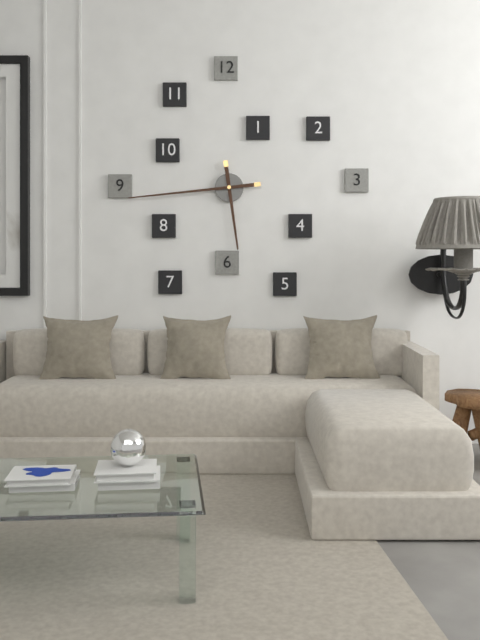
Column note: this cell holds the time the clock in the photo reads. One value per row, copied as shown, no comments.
5:44
